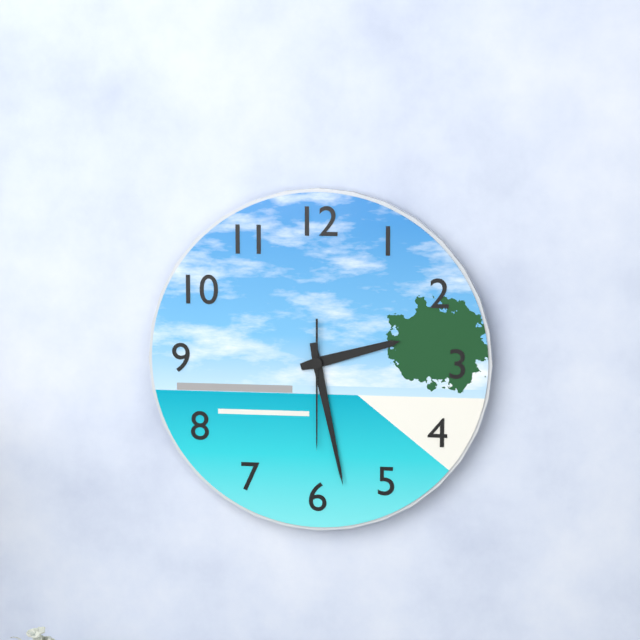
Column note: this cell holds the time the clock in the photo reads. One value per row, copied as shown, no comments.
2:28:30
